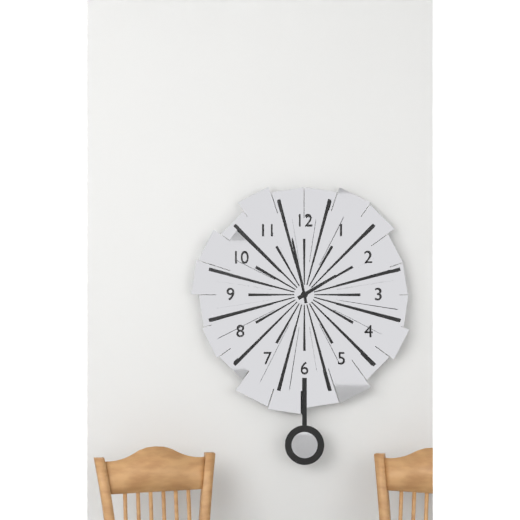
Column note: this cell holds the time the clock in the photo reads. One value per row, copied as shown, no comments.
1:58
